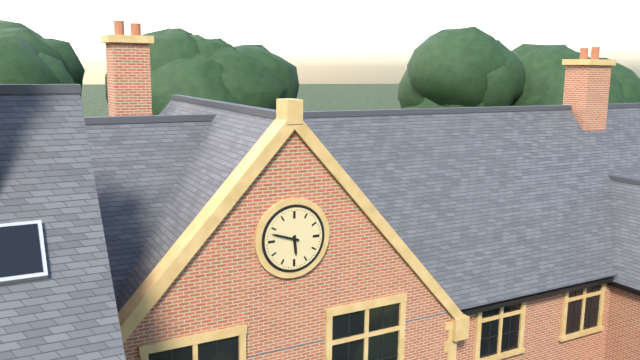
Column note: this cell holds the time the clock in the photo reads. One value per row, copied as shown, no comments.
5:48
